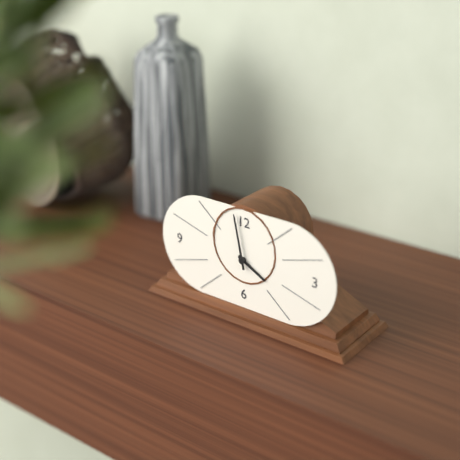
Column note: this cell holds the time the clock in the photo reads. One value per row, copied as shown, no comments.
3:58
